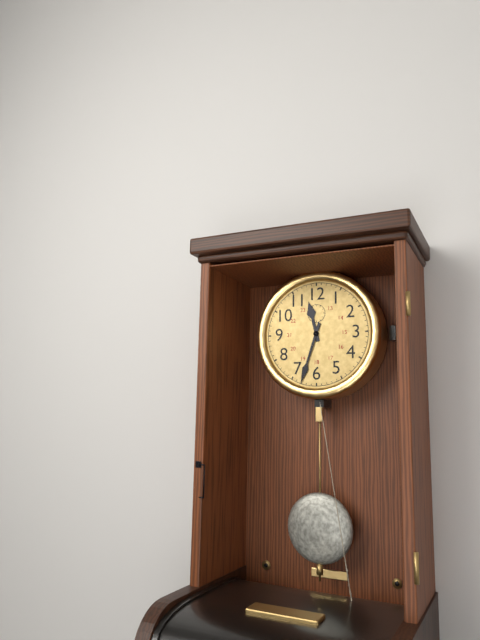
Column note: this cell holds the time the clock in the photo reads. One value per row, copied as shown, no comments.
11:33
